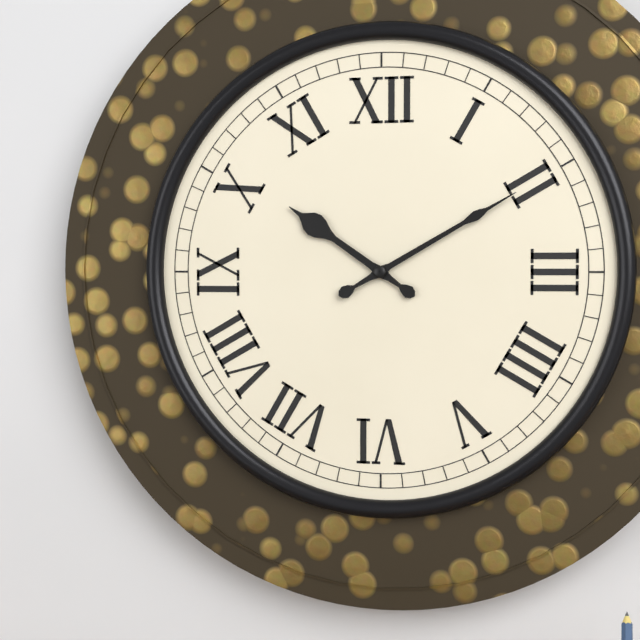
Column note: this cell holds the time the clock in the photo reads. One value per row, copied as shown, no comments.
10:10
